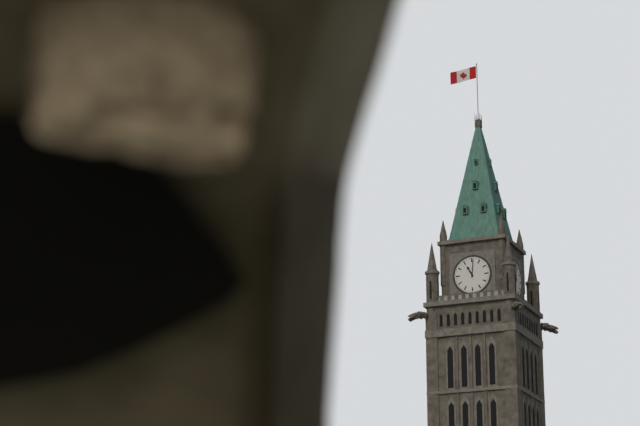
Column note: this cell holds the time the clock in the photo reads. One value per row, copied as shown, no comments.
11:01
